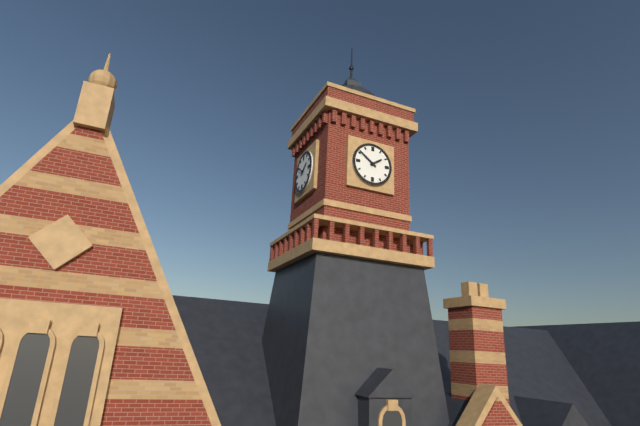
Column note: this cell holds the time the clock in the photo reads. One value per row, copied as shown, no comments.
1:51
